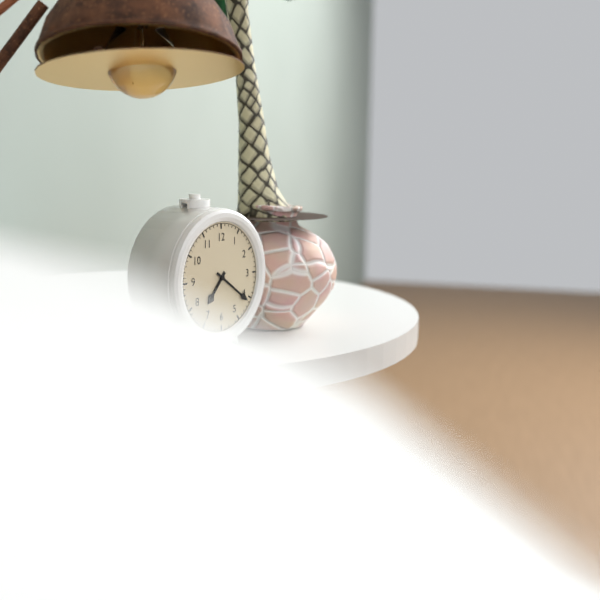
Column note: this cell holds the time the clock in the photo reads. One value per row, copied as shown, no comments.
7:21
